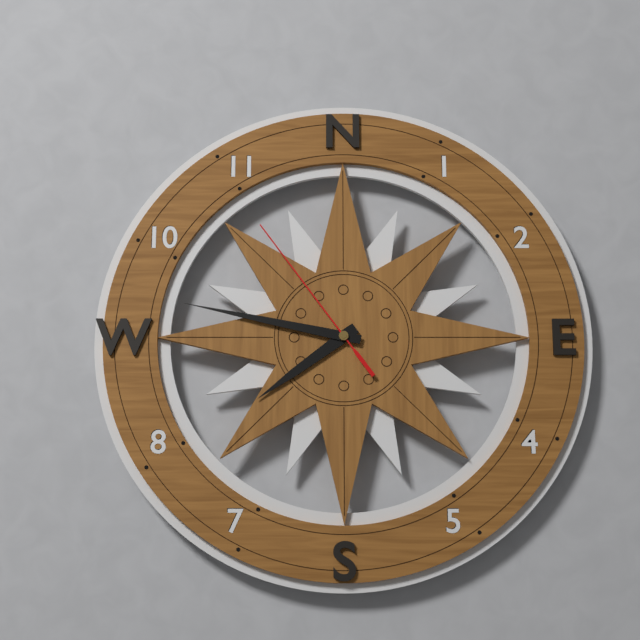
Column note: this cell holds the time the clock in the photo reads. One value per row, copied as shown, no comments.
7:47:54
